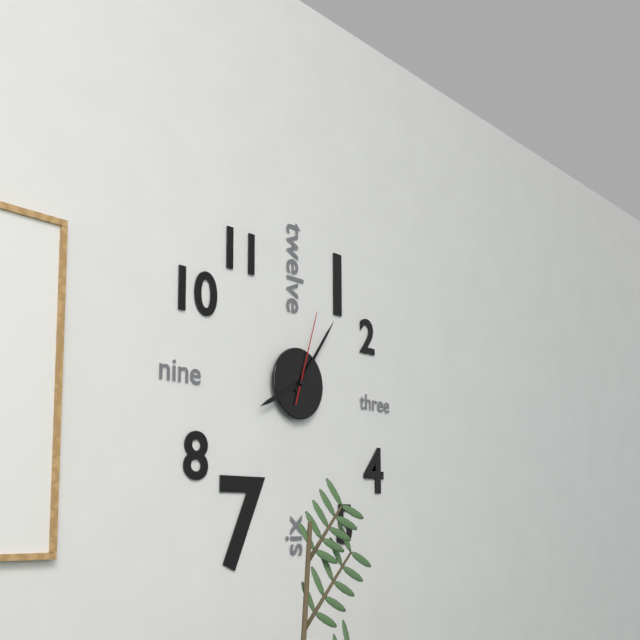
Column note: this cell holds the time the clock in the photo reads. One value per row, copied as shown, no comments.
8:06:03
